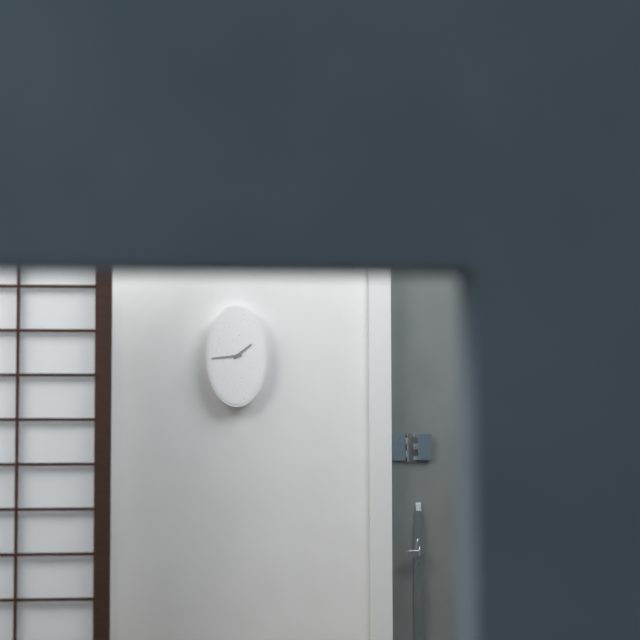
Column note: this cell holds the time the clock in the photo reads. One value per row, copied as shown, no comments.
1:44
